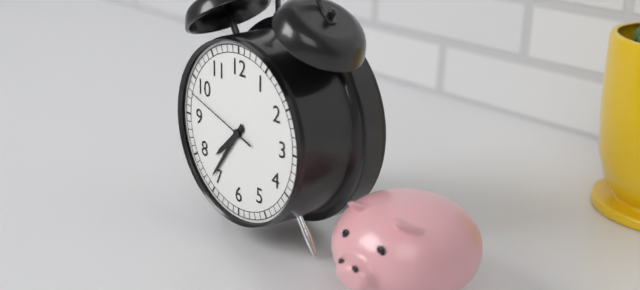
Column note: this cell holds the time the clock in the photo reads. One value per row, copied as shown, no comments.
7:36:48
